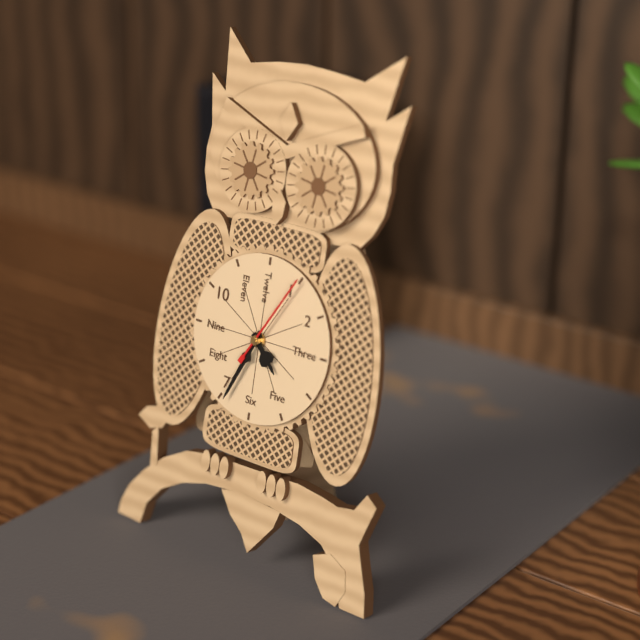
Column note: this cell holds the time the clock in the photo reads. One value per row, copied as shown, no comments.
4:34:05
